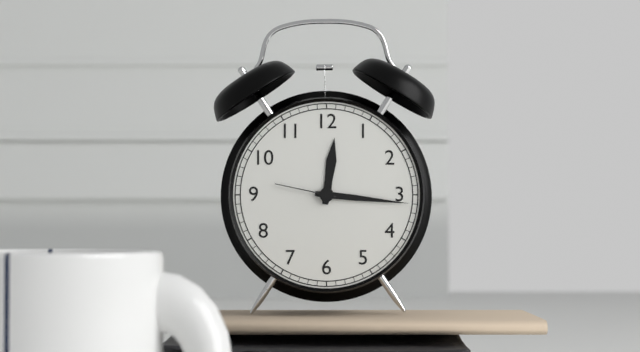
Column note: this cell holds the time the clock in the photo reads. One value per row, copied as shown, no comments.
12:16:47
